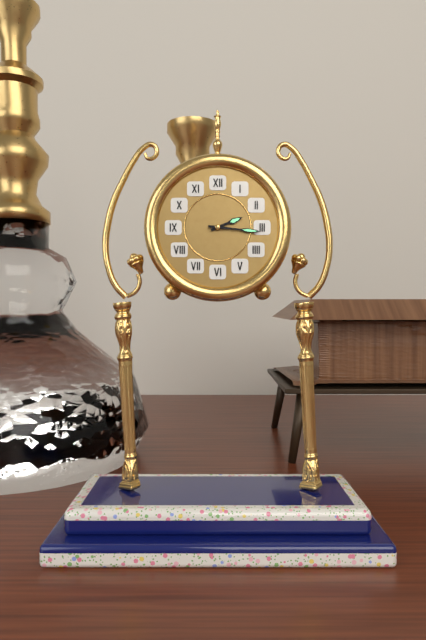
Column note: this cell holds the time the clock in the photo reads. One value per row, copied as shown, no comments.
2:16
